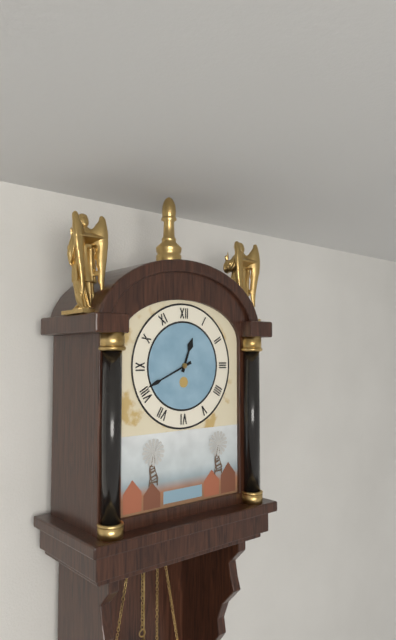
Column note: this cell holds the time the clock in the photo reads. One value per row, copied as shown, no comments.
12:41
